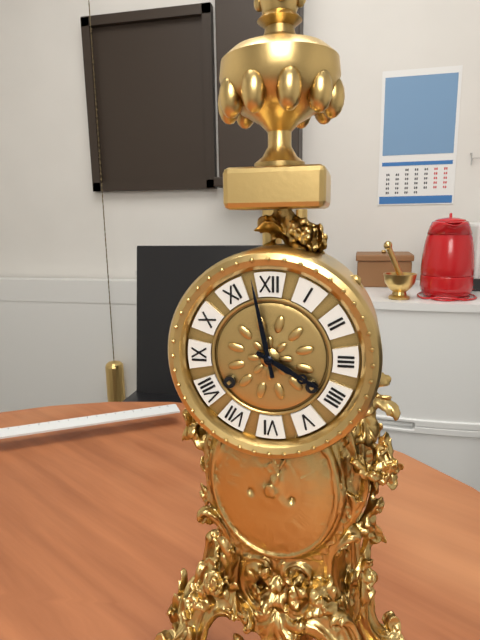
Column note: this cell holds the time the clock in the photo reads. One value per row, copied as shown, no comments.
3:58
